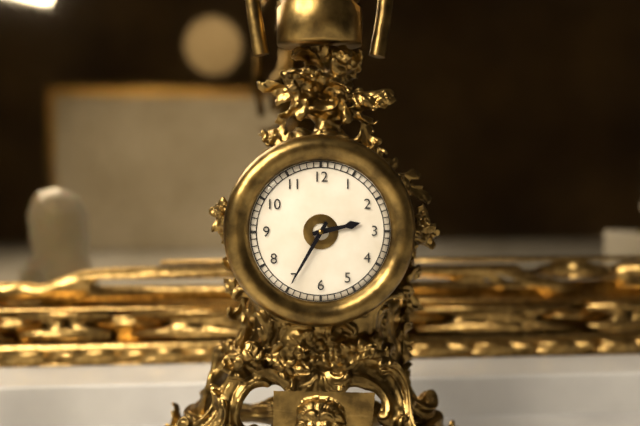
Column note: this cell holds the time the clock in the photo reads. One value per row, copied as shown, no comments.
2:35
